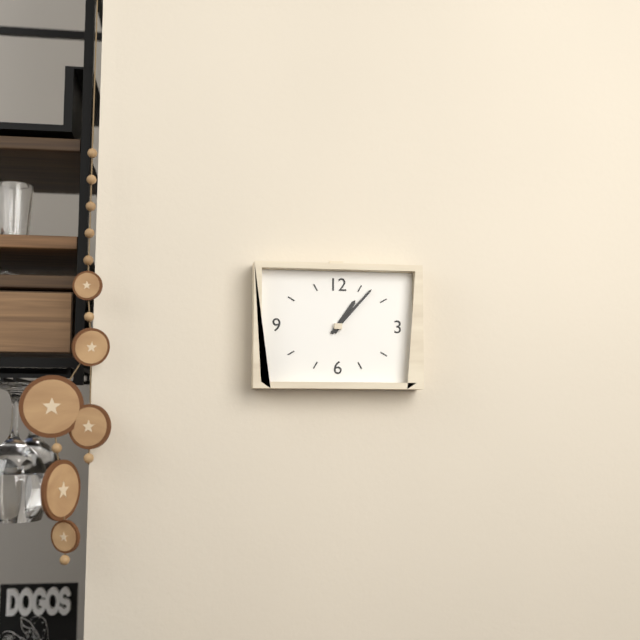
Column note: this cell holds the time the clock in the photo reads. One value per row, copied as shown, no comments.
1:07
